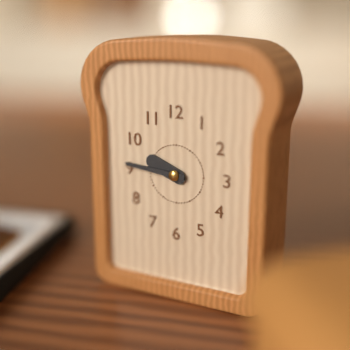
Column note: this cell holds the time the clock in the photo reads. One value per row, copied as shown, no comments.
9:46
